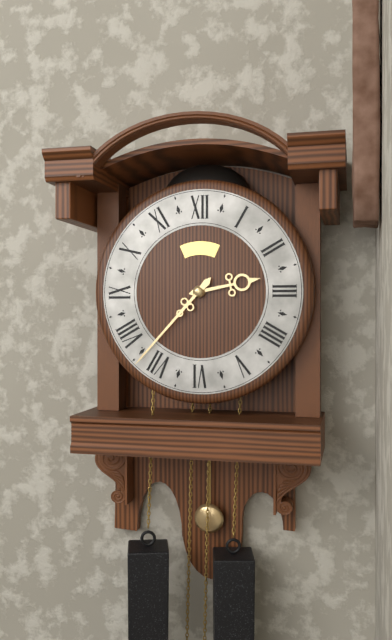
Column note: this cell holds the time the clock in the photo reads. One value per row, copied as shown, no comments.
2:37
